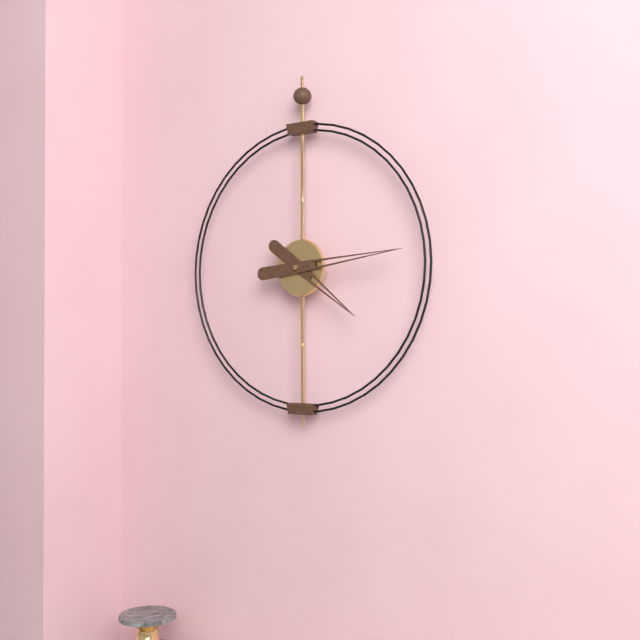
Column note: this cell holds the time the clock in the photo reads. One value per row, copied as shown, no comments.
4:14
